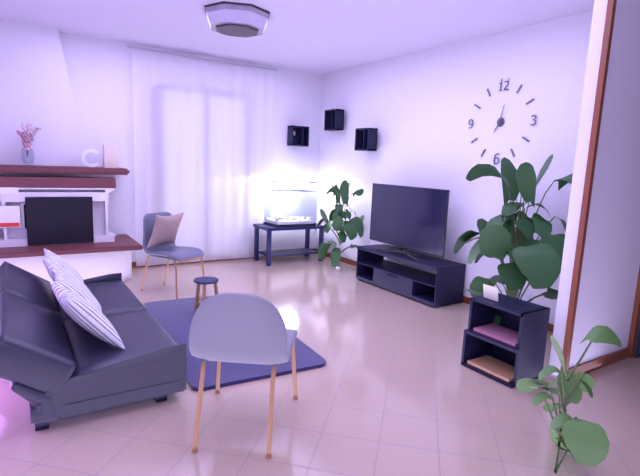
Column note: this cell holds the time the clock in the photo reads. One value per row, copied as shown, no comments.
7:02
